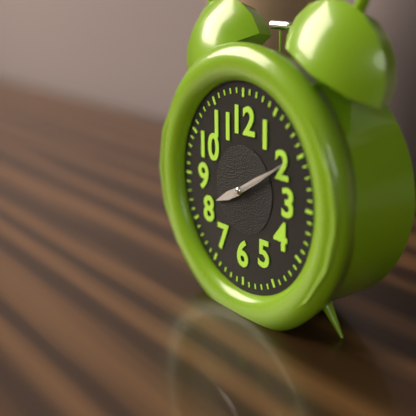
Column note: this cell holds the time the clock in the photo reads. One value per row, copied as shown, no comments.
8:10:10
